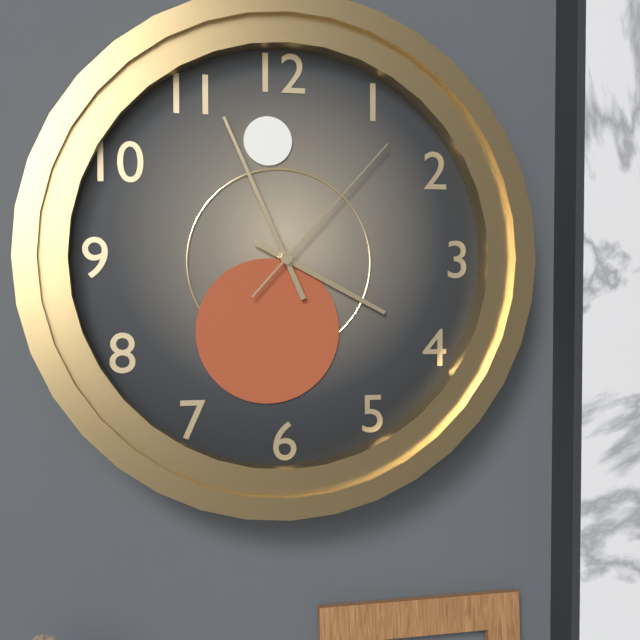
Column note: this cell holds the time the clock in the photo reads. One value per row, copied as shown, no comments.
3:56:07
